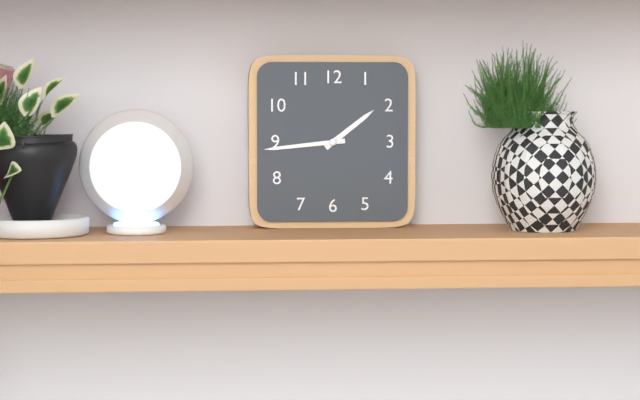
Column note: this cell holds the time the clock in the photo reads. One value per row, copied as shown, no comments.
1:44
